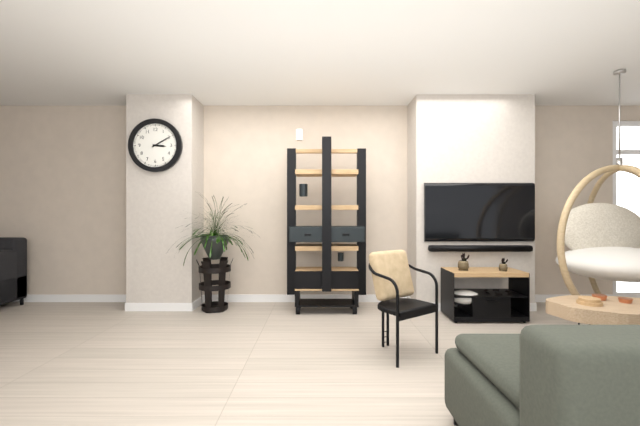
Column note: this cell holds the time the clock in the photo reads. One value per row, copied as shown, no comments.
3:10
